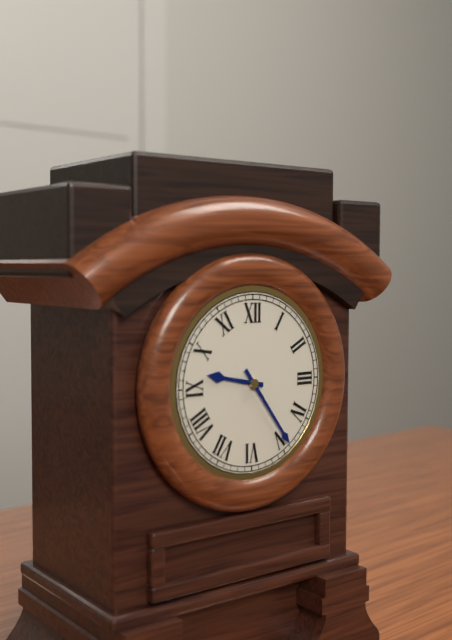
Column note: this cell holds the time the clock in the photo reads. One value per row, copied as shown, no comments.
9:24
